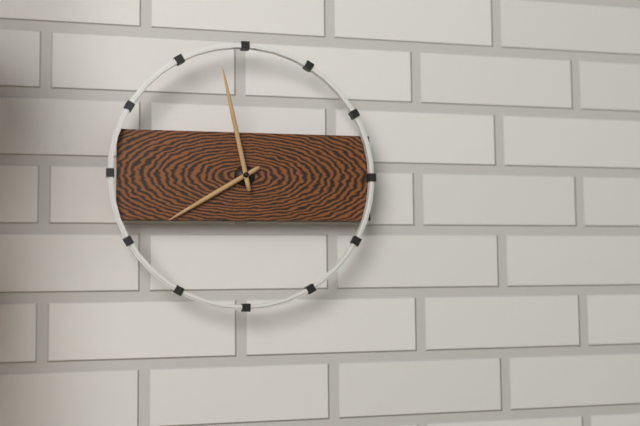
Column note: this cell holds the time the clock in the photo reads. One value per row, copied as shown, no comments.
7:58
